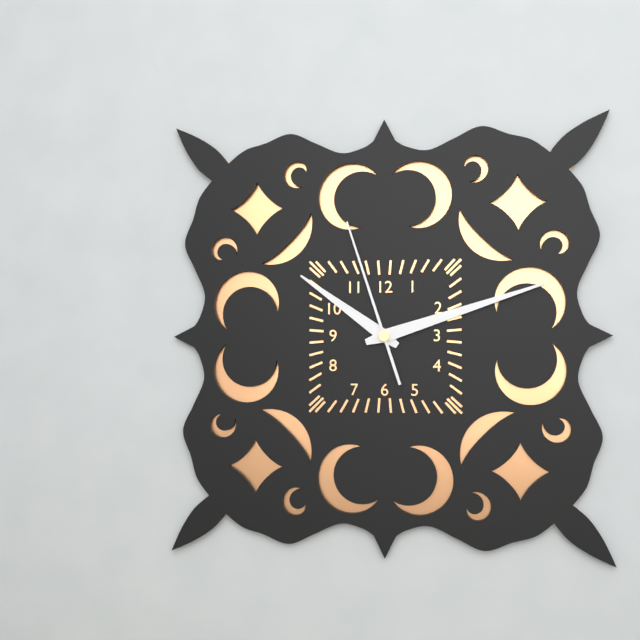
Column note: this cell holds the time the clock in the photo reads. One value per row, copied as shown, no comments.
10:12:57
